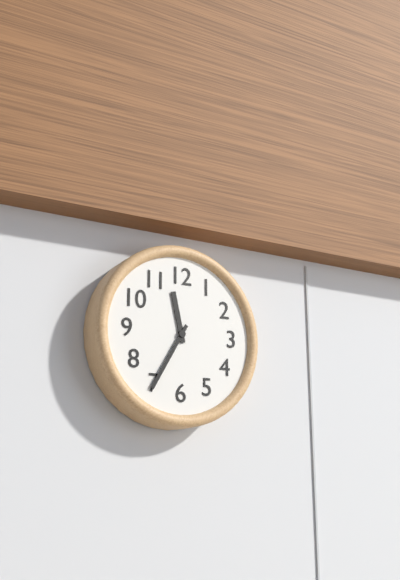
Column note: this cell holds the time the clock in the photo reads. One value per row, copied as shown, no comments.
11:35
